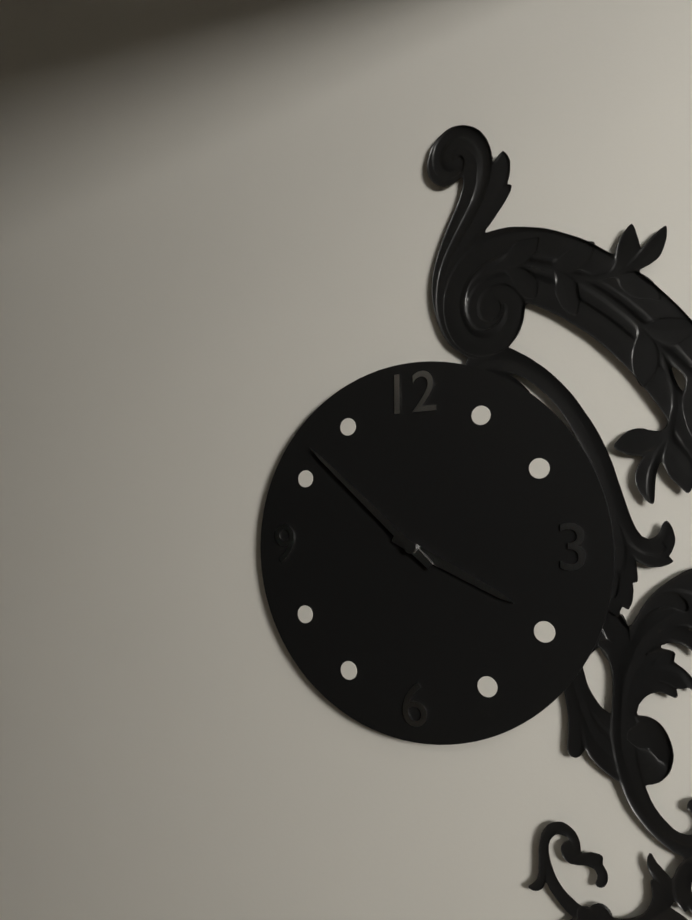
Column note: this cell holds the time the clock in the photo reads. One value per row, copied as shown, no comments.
3:52
